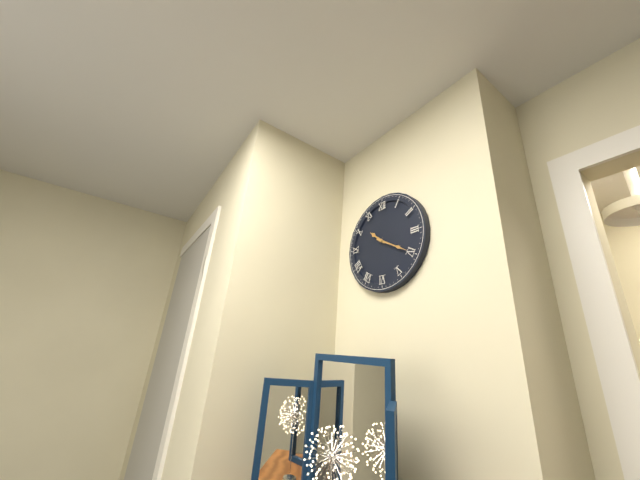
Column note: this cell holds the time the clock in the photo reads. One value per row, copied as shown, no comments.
10:20
